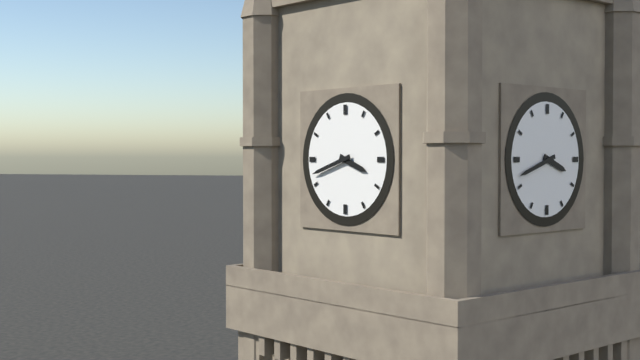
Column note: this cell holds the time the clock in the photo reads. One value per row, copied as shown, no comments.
3:42
